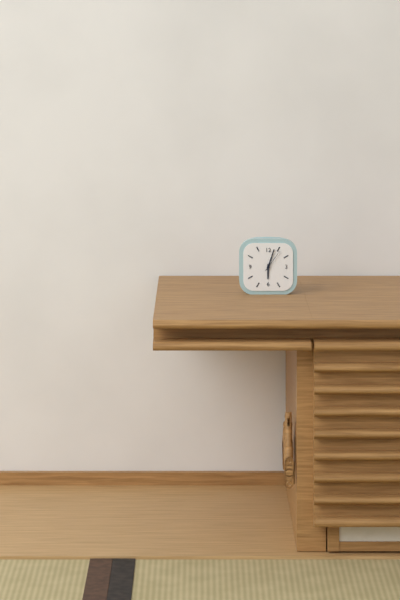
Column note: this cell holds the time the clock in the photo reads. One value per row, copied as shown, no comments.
6:03
